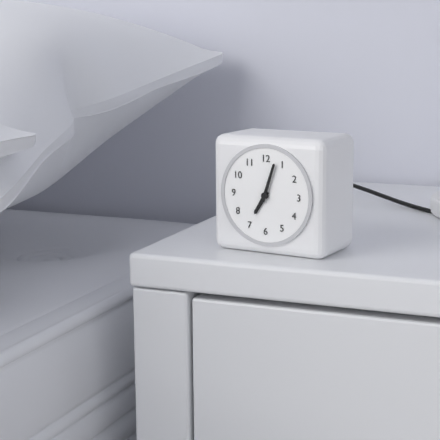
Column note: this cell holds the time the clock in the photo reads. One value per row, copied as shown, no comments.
7:03
